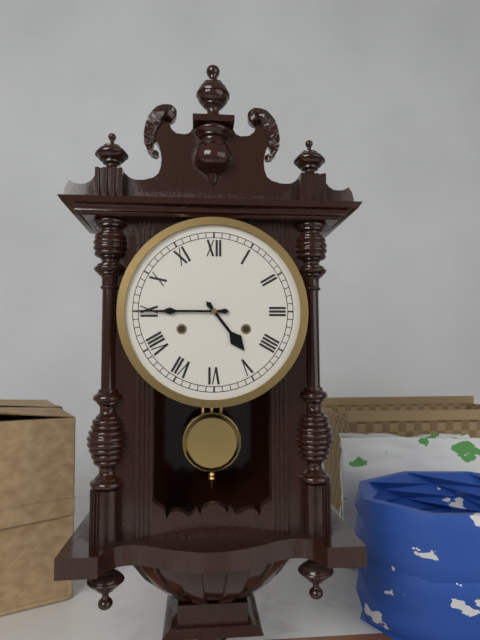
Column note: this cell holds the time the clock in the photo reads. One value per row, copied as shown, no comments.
4:45
